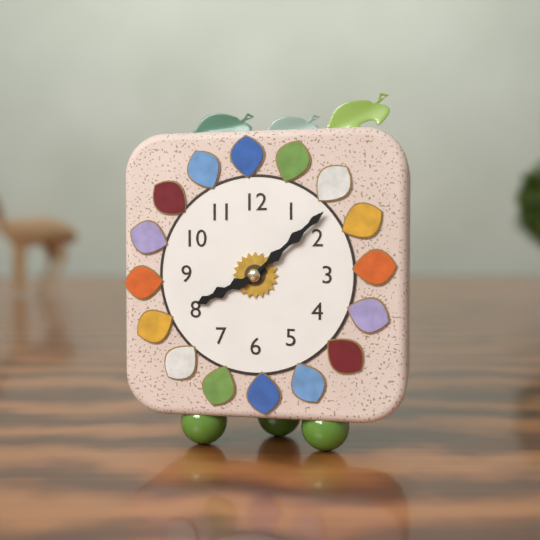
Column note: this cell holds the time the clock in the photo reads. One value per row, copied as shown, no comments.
8:08
